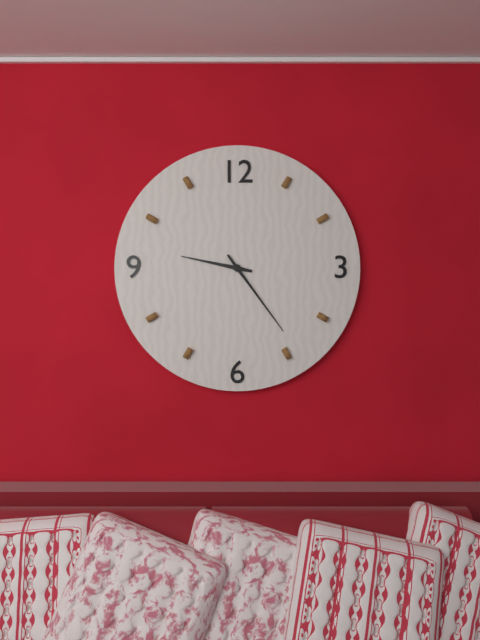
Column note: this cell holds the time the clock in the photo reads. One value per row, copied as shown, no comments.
9:24
